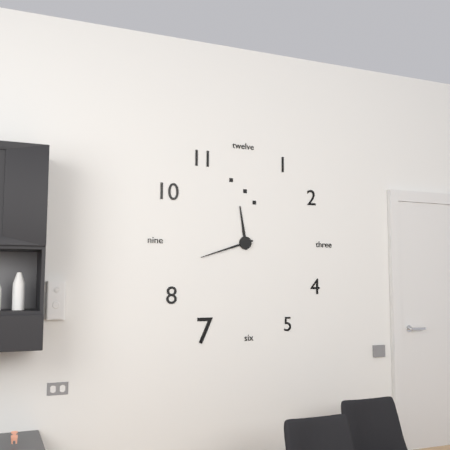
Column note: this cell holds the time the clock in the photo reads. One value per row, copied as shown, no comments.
11:42
